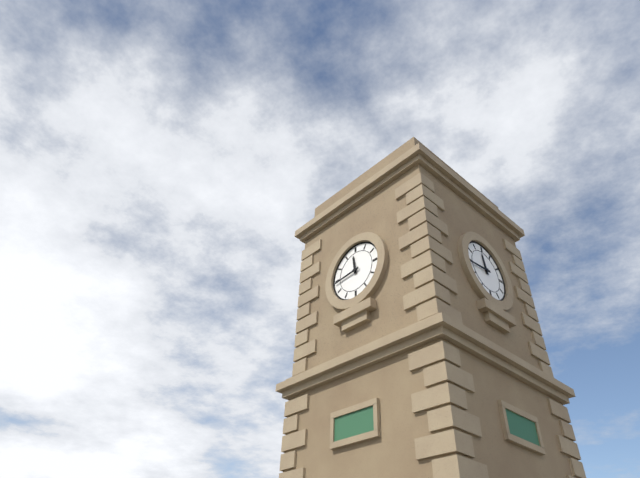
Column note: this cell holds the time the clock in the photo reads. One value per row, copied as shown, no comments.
11:44
